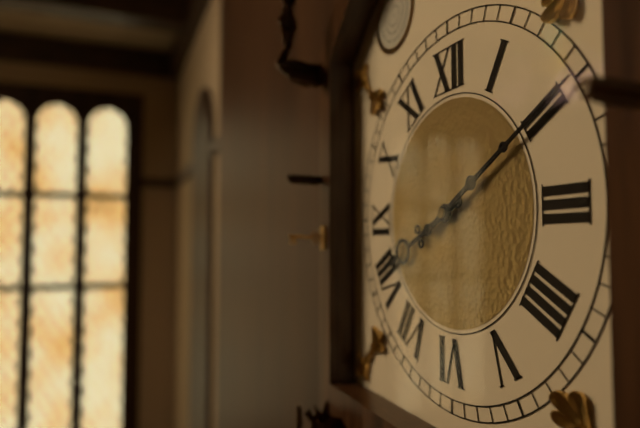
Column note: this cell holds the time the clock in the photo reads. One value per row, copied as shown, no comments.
8:10
